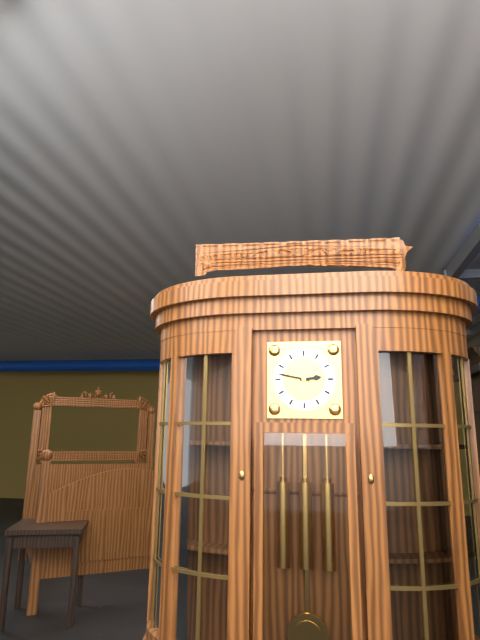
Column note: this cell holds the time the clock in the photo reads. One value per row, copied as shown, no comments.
2:47
